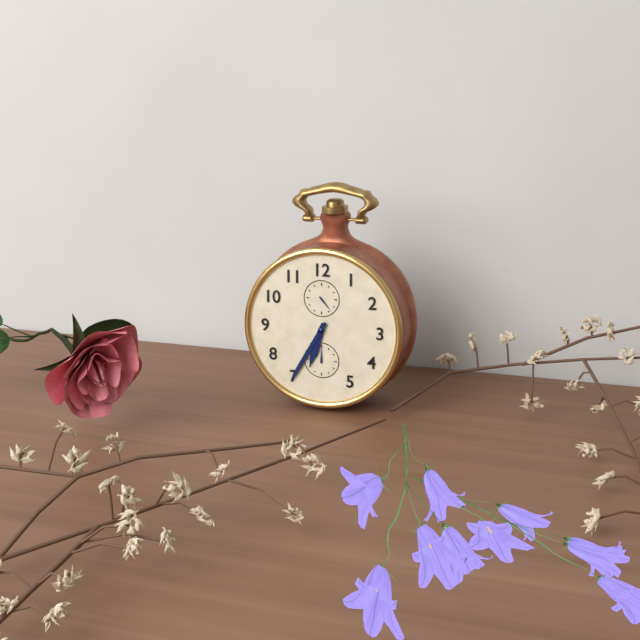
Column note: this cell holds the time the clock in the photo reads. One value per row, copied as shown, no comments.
6:35
